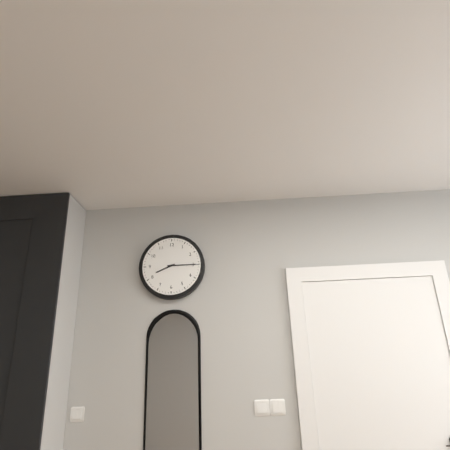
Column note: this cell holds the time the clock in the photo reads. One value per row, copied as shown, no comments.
8:15
